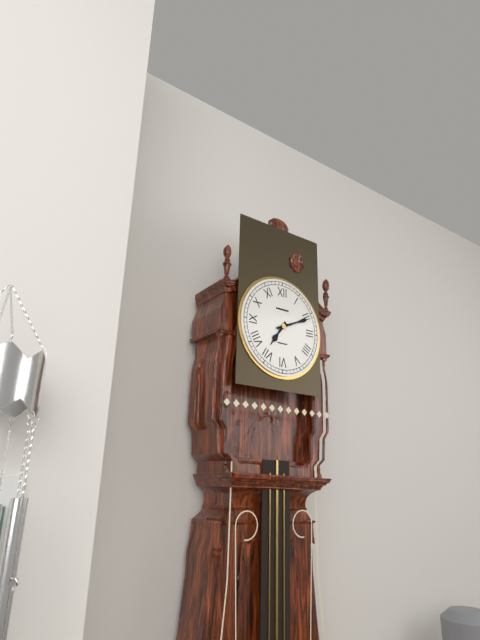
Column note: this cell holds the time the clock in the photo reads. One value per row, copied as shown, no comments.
7:11
